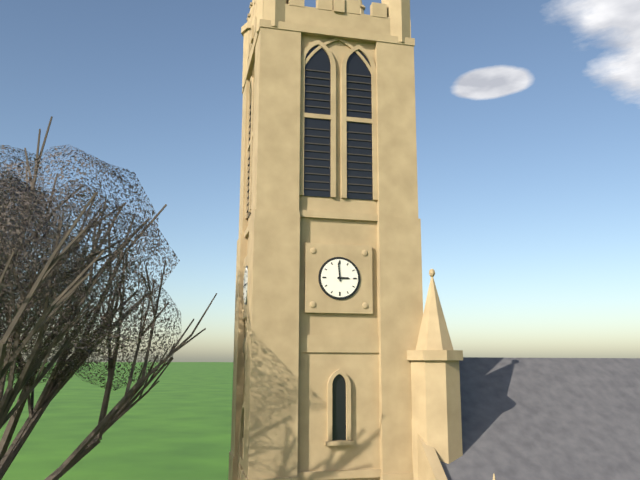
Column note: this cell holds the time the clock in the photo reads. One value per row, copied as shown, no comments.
2:59
